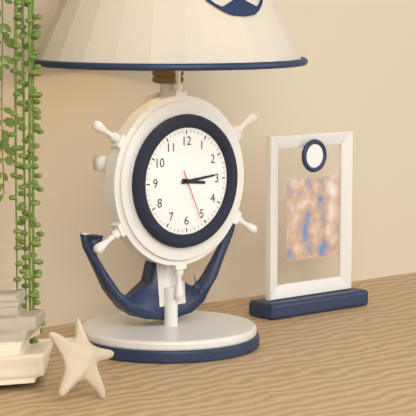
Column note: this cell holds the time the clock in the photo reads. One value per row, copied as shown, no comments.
3:14:26
